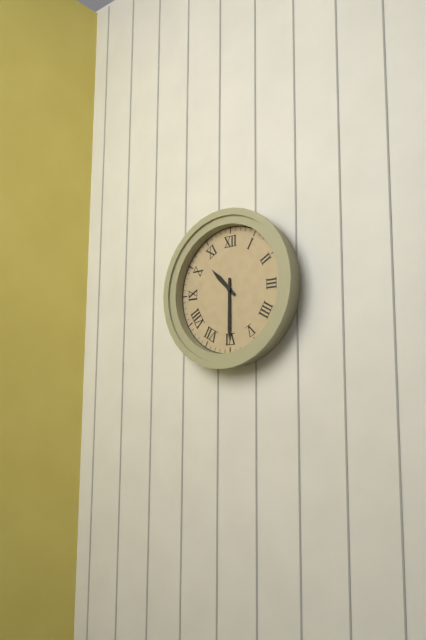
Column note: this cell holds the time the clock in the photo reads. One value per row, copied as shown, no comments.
10:30
